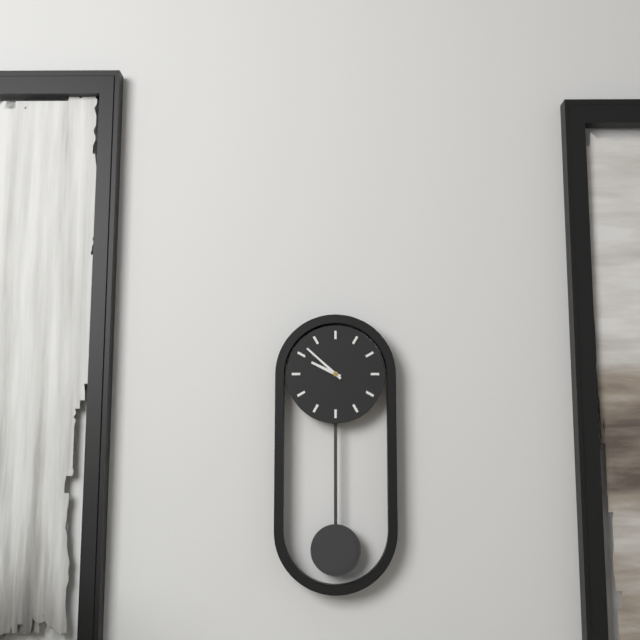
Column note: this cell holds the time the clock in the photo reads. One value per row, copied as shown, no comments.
9:52
